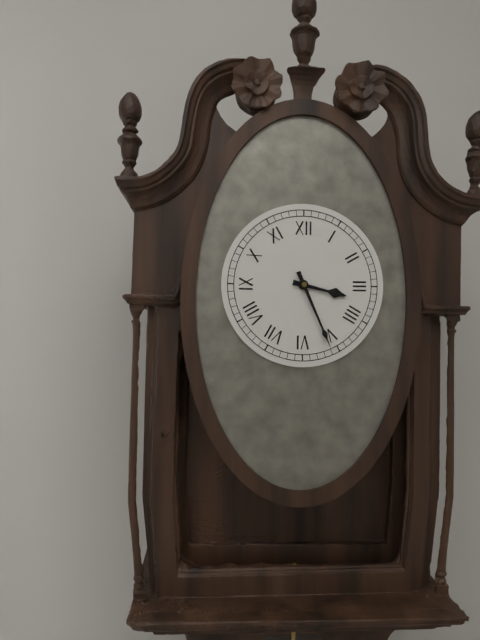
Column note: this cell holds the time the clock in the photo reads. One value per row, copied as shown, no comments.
3:26
